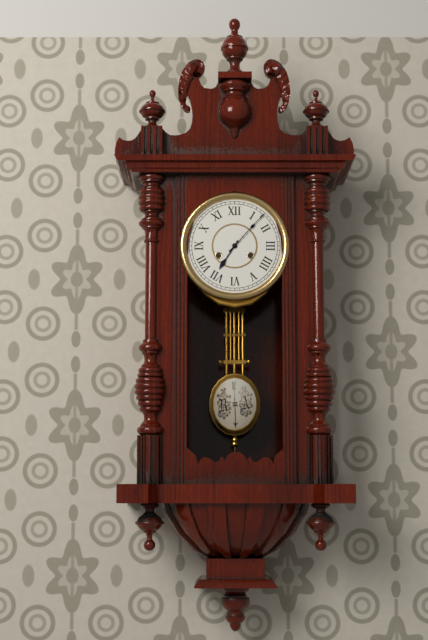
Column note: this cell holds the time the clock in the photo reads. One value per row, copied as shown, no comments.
7:07
